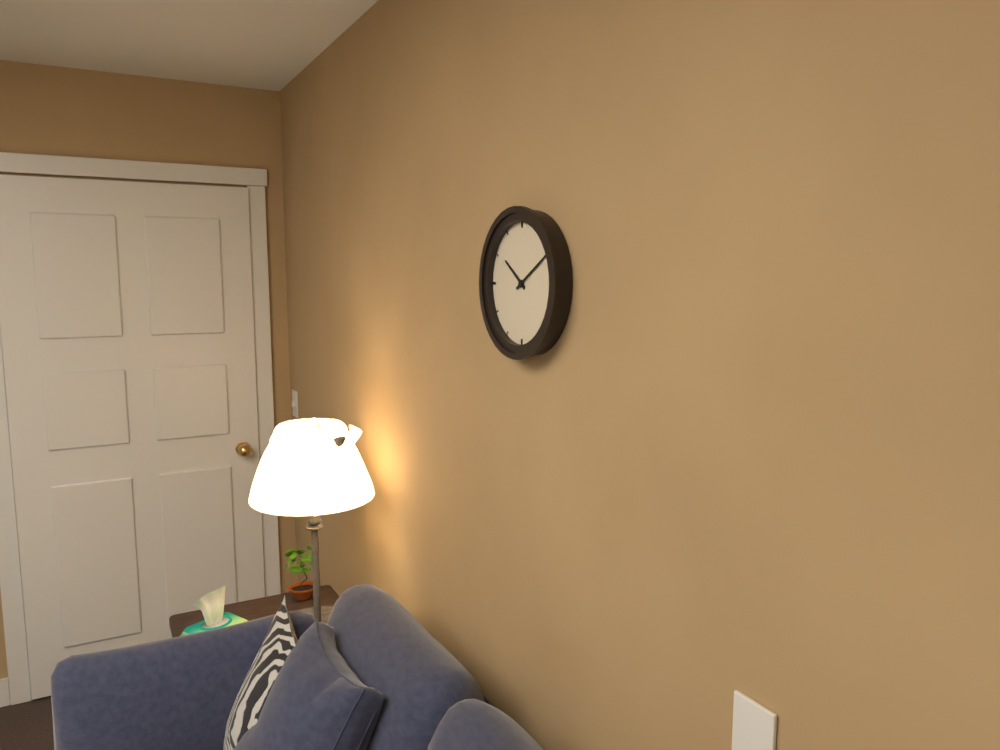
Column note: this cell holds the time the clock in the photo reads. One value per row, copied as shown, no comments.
10:10
